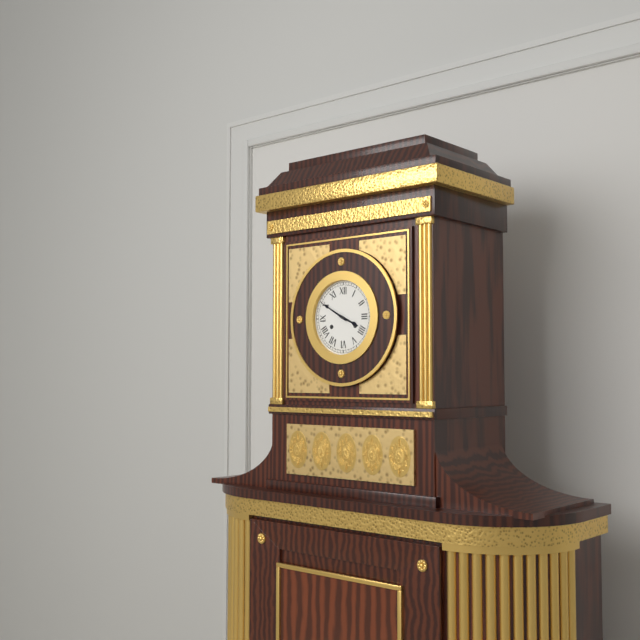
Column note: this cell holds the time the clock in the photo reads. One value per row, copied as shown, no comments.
3:50
